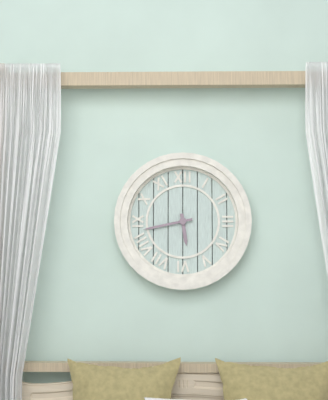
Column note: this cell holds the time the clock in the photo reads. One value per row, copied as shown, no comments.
5:43
